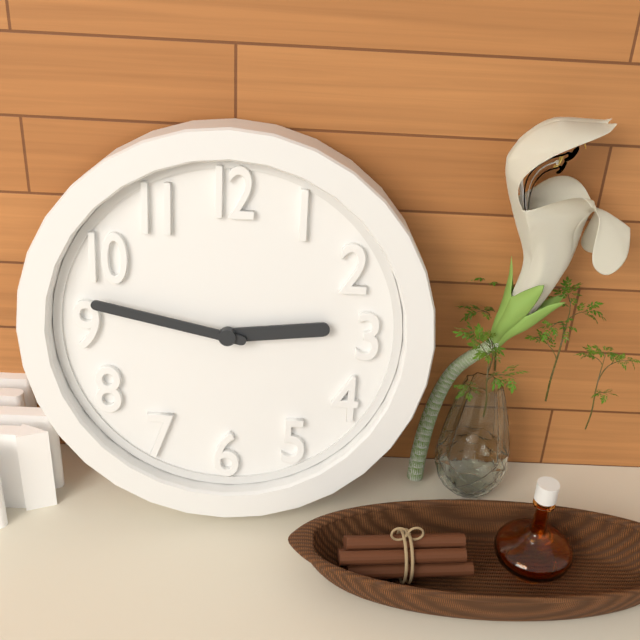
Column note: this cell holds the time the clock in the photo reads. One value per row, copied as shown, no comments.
2:47
